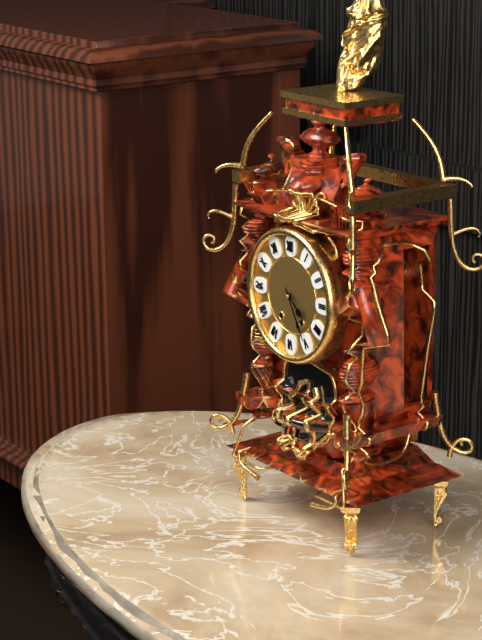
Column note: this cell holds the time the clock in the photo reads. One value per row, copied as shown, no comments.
4:25
